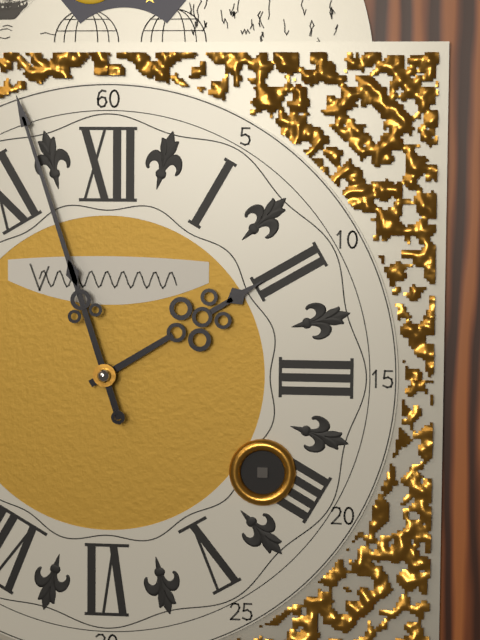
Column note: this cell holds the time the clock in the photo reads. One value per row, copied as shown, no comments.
1:57
